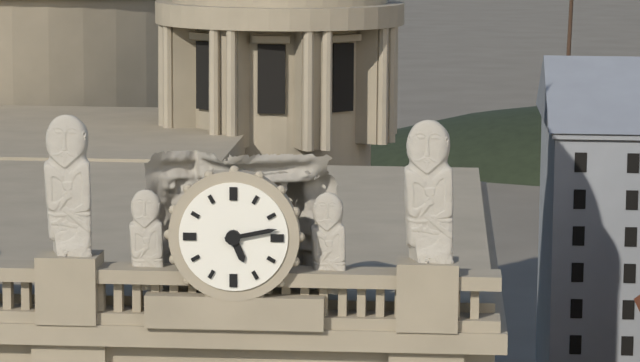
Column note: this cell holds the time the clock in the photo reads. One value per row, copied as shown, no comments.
5:13
